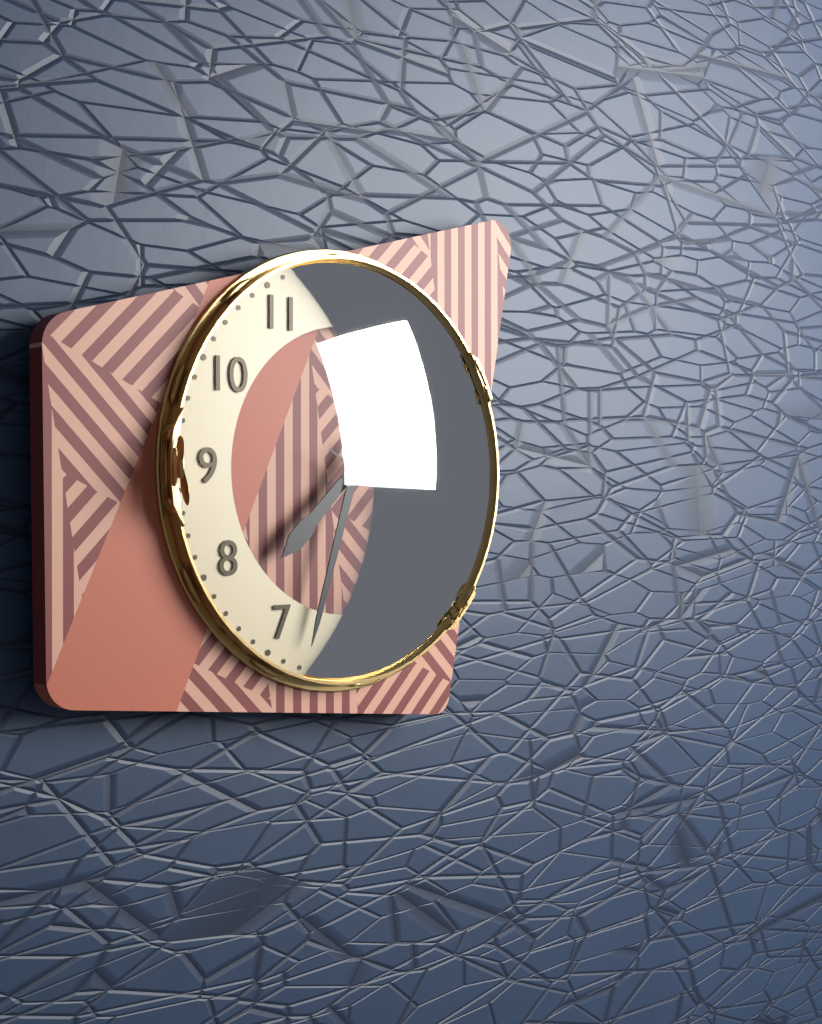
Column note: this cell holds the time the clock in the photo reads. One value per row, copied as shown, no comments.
7:33:20
